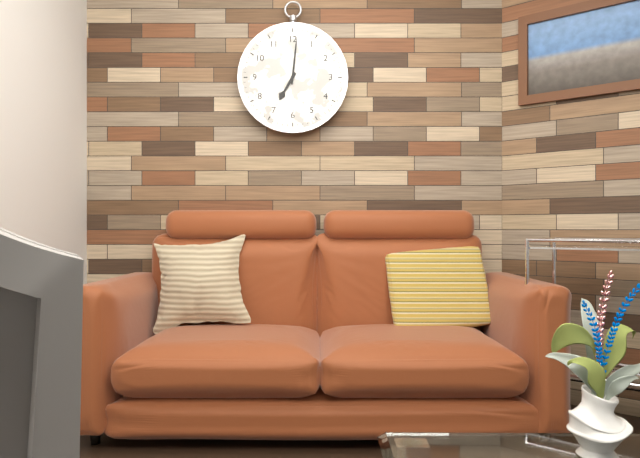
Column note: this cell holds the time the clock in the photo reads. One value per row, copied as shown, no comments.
7:01
